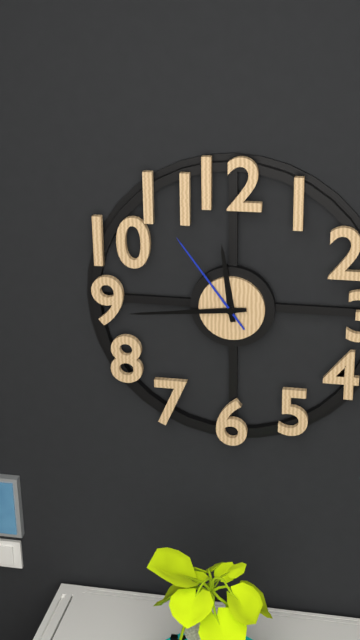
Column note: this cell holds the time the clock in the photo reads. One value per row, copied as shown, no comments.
11:44:54
